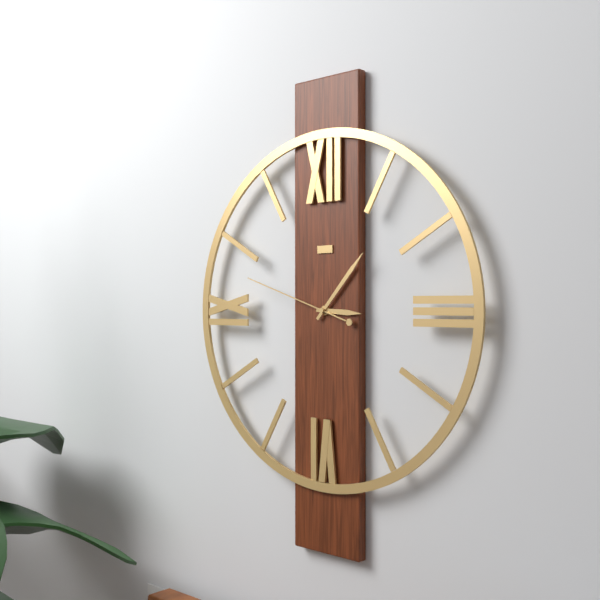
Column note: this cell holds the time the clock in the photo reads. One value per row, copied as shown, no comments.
3:07:48
